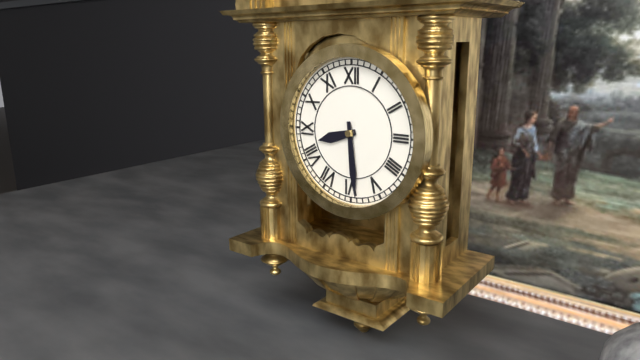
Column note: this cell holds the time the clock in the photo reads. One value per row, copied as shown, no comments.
8:29
